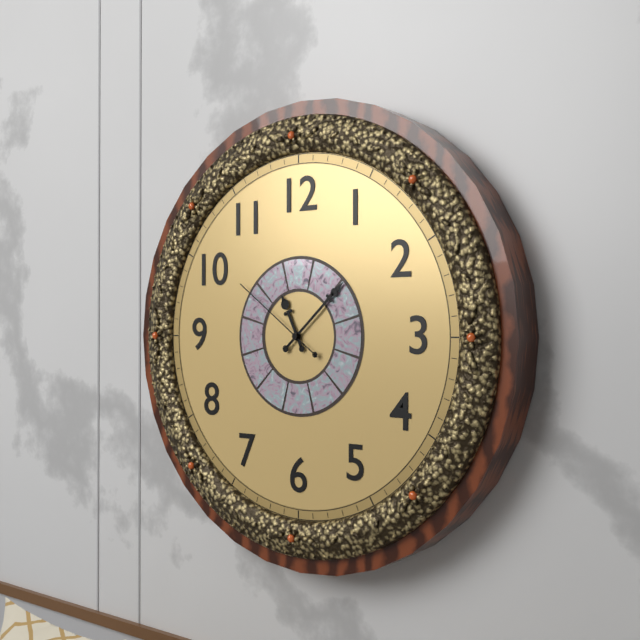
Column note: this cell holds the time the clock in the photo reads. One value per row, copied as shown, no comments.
11:08:51
